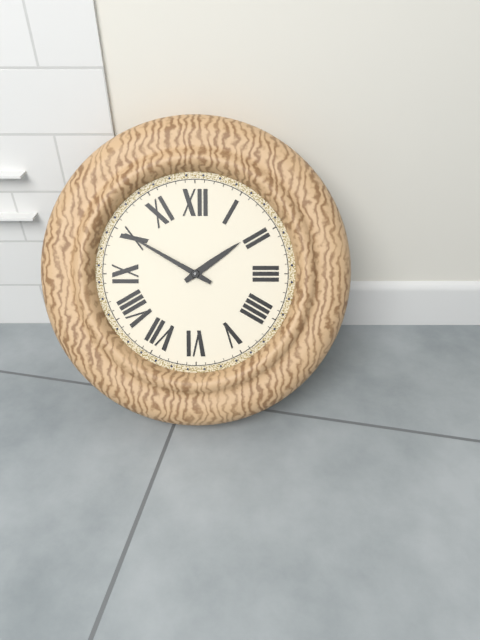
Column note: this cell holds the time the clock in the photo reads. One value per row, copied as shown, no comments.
1:50
